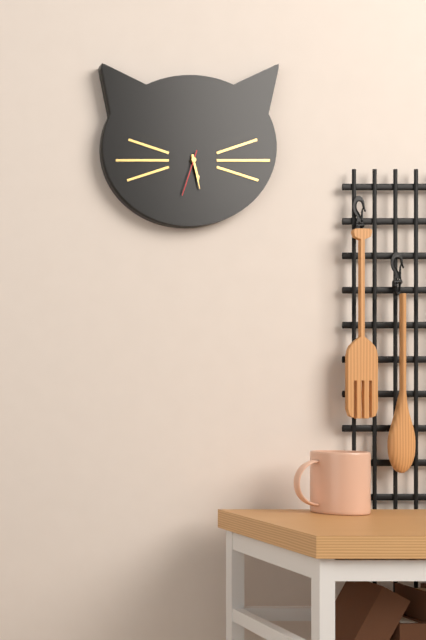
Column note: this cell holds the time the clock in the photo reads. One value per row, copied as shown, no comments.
5:28
